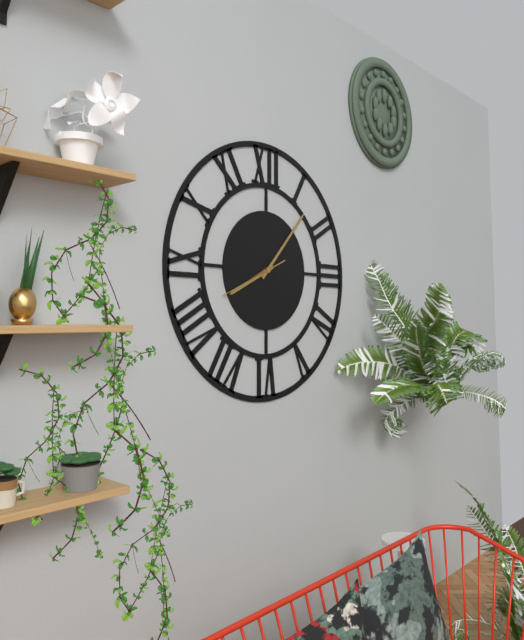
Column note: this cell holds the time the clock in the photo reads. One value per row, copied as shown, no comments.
8:07:41
